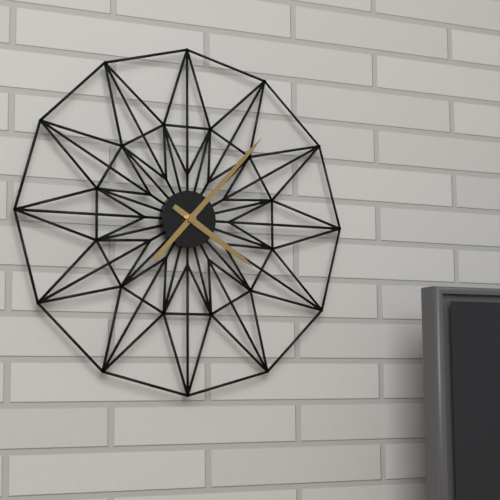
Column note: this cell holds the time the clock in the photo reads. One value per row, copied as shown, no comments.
4:07
